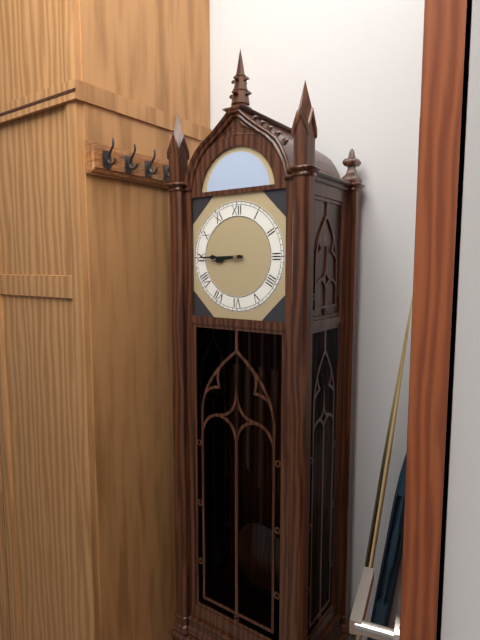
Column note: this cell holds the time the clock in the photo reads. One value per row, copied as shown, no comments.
8:45
